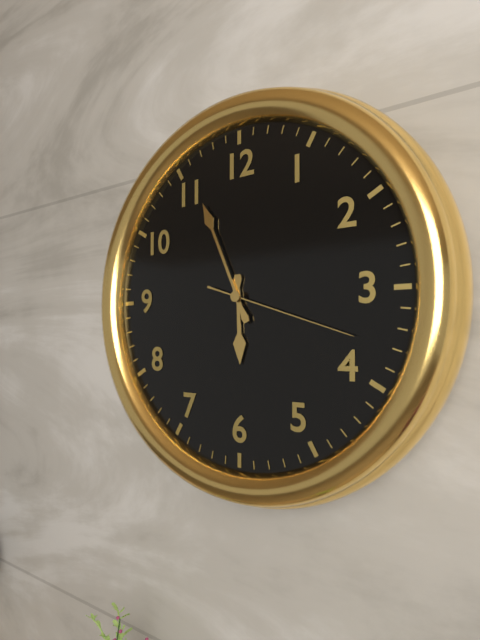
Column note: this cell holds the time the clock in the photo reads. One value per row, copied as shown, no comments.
5:56:18
